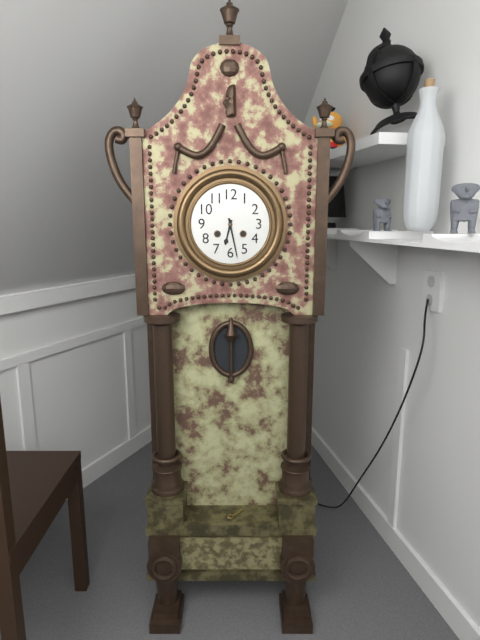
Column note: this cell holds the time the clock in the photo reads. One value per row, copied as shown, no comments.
6:28
